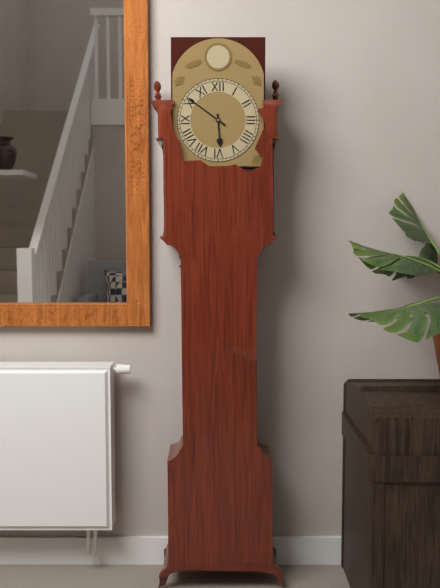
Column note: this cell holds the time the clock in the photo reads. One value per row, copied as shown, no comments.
5:51
